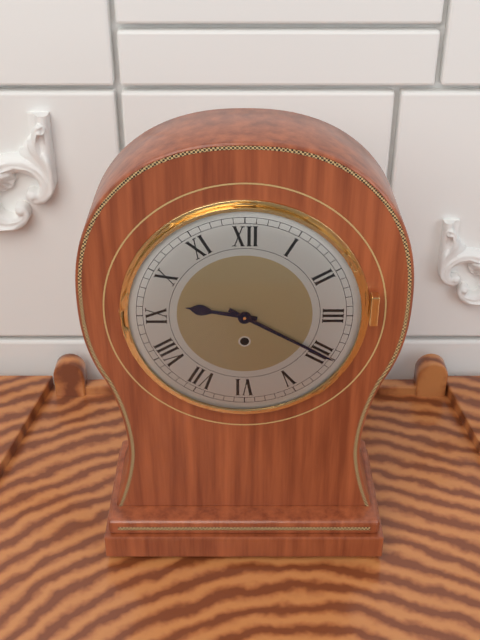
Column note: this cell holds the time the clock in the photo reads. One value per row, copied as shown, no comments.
9:20
